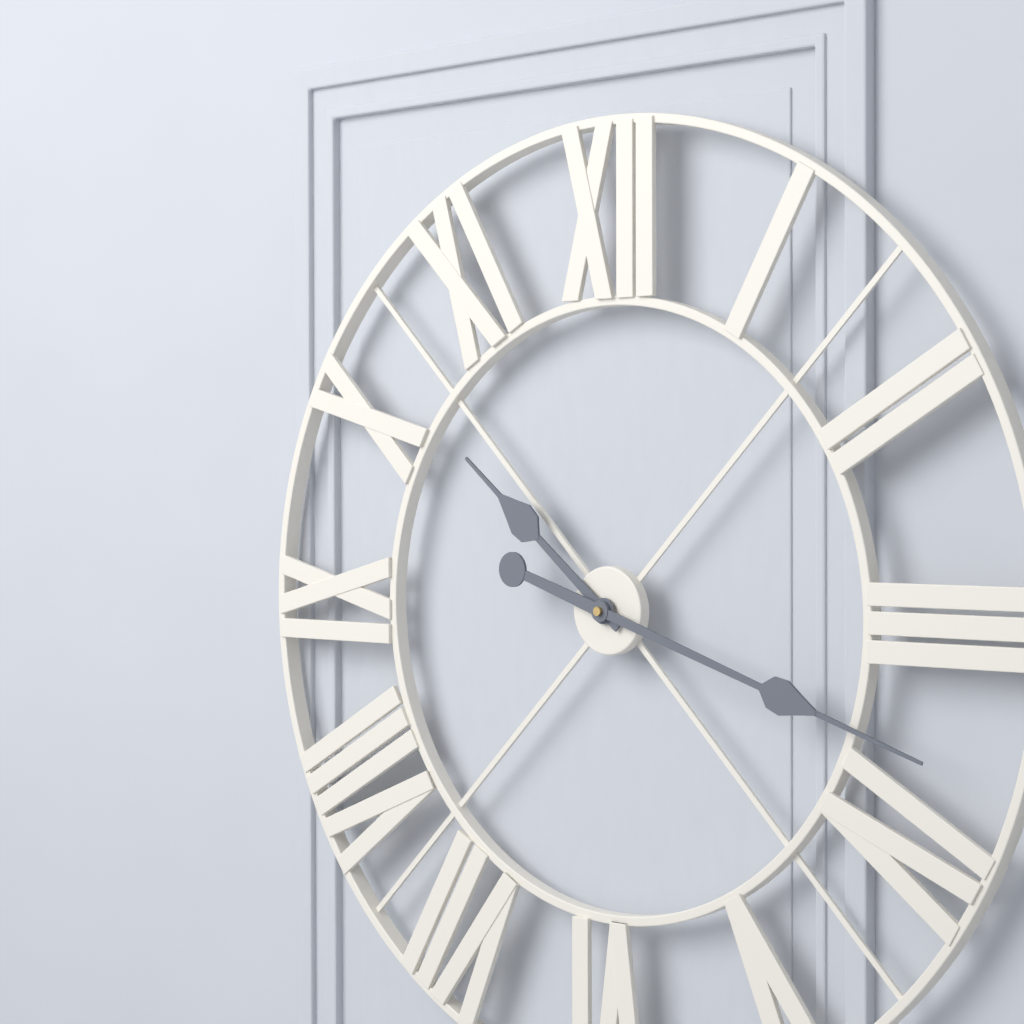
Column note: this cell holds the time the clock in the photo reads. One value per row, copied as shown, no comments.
10:18
